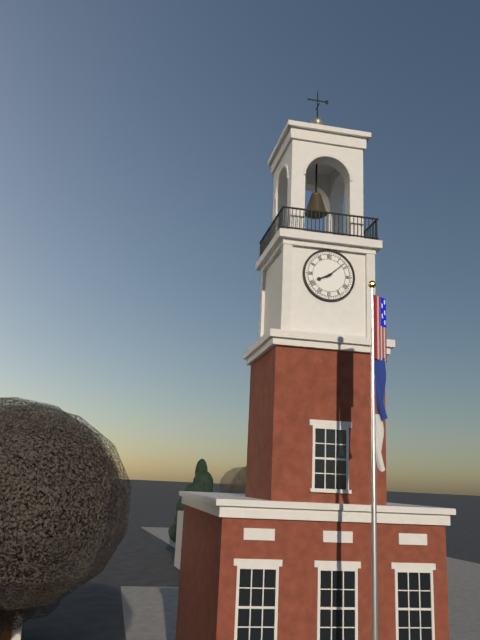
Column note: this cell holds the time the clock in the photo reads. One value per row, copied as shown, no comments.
8:08
